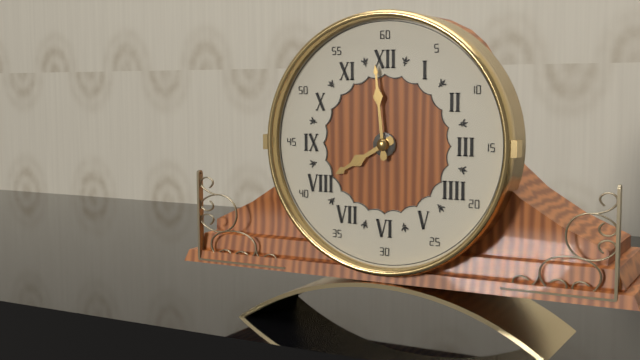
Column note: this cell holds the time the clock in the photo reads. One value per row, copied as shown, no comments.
7:59
